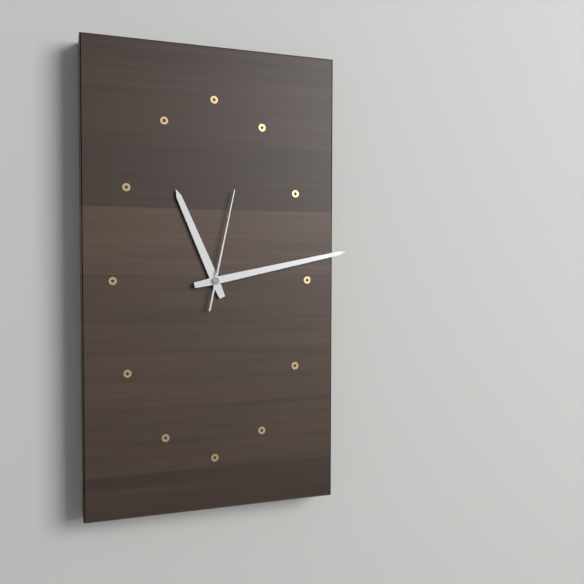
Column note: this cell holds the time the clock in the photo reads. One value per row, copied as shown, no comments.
11:13:02
